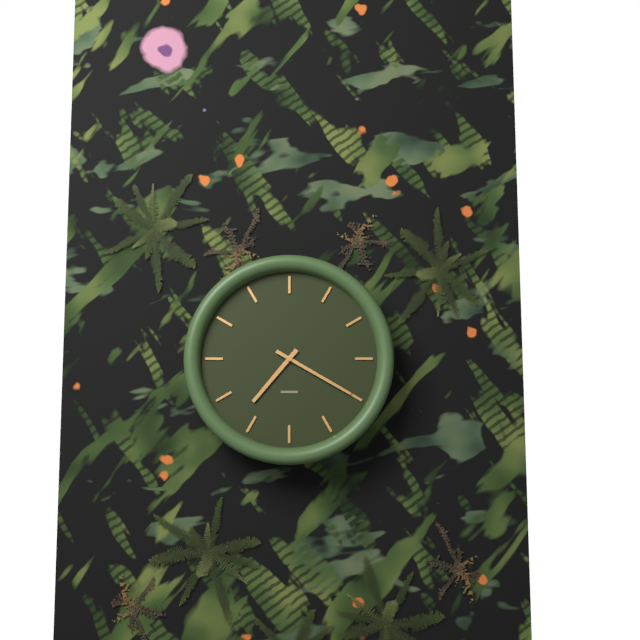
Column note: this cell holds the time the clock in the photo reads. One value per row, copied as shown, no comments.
7:20
